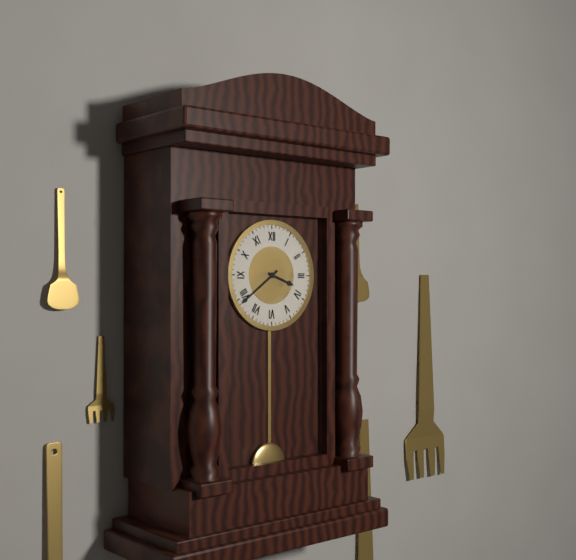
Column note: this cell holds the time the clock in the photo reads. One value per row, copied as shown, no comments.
3:39
